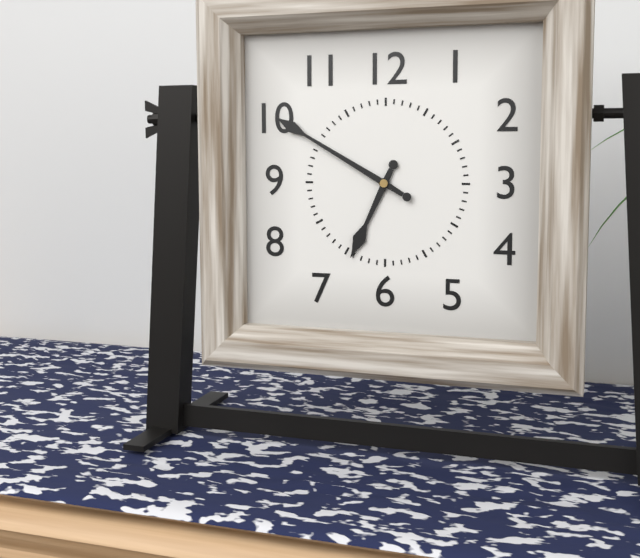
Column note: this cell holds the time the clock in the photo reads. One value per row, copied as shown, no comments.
6:50
